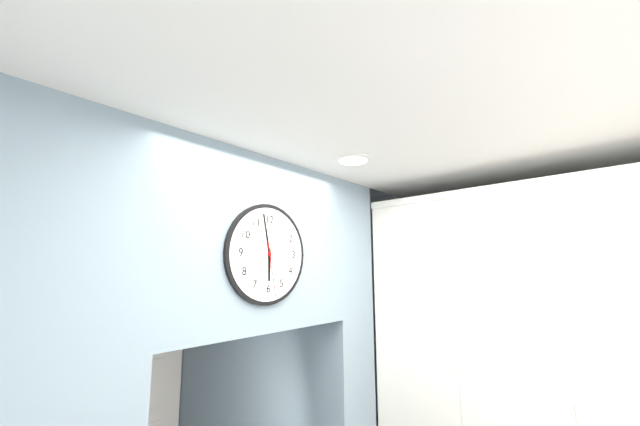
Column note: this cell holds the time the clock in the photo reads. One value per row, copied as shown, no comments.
5:58:28
